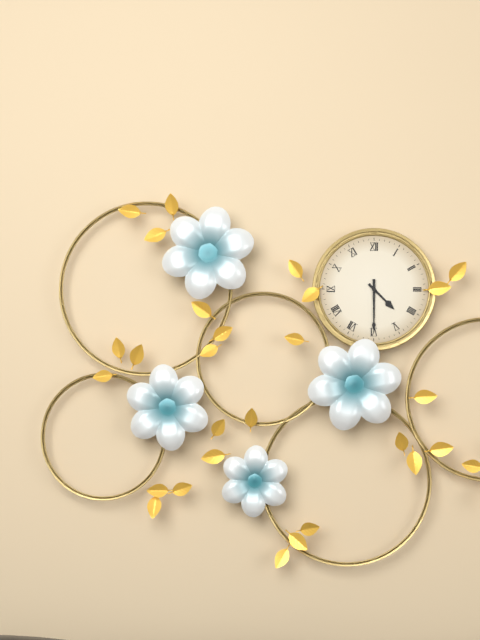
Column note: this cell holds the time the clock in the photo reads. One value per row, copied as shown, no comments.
4:30
